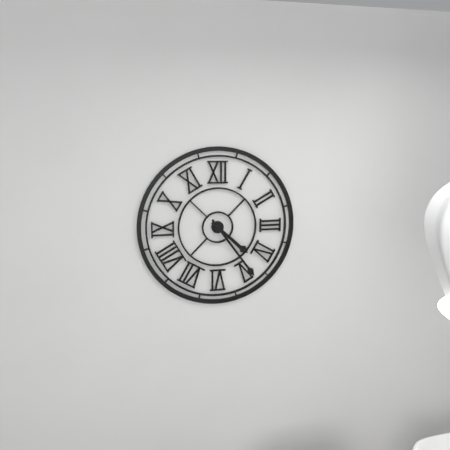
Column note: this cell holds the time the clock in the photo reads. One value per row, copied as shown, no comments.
4:24
